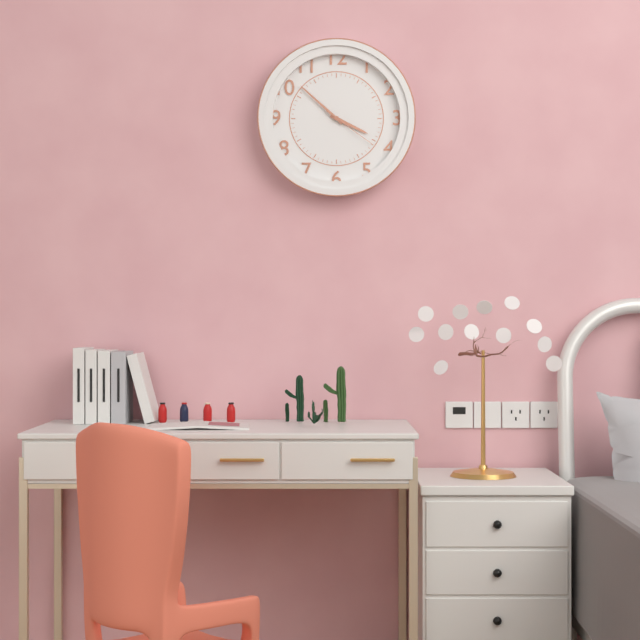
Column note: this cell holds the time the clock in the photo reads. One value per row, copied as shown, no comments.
3:52:21
